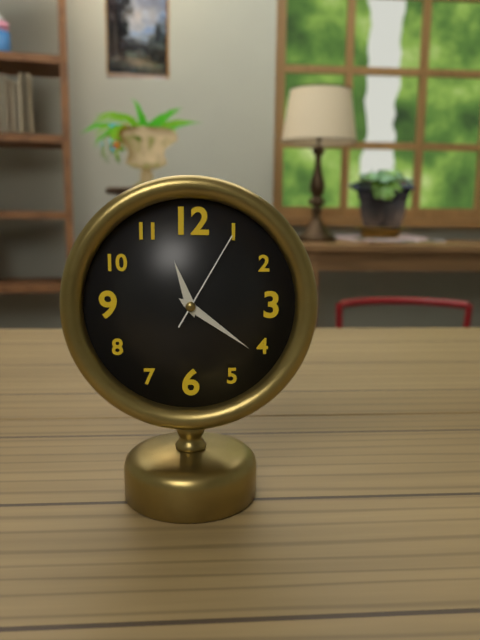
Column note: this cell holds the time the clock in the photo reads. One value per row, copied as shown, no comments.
11:21:05
